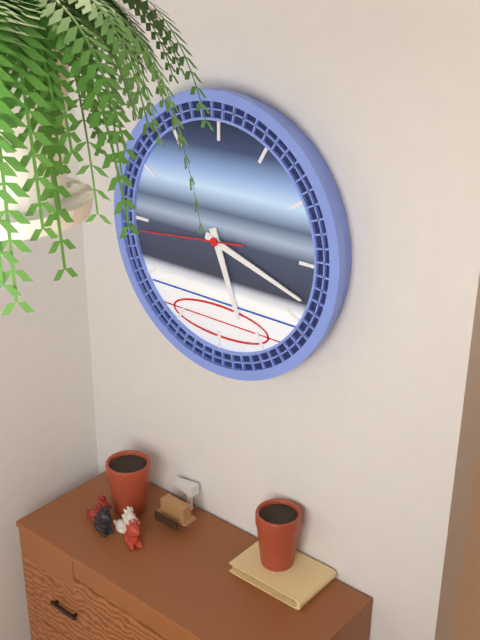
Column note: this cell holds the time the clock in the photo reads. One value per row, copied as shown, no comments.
5:18:44
